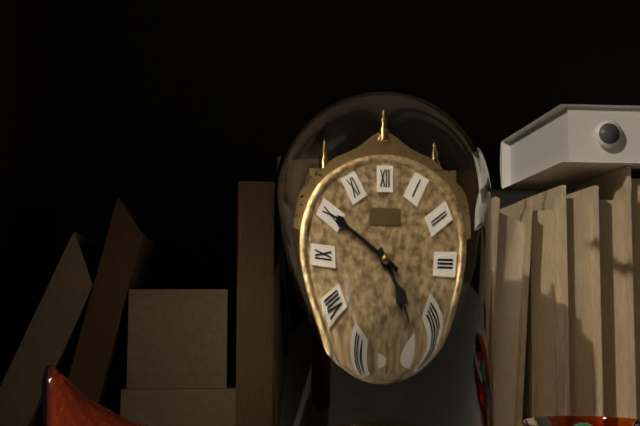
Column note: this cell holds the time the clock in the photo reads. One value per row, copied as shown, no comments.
4:50
